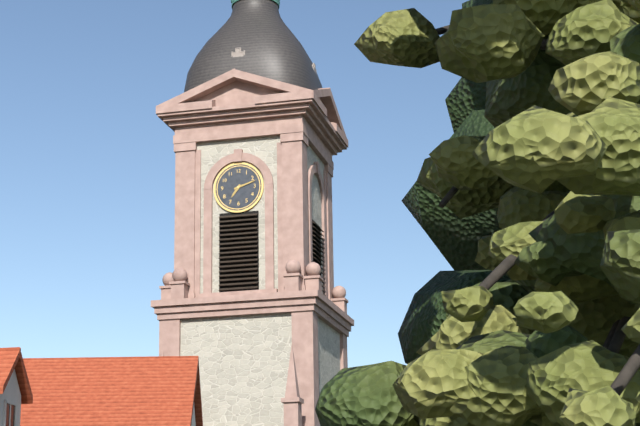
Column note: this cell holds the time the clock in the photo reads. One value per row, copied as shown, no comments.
7:12
